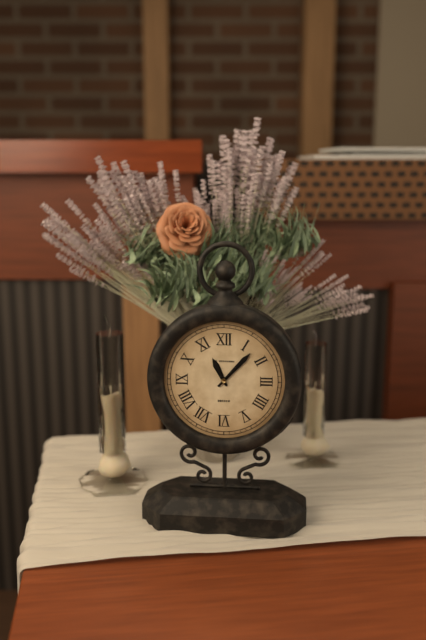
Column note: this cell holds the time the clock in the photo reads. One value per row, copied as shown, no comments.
11:07
